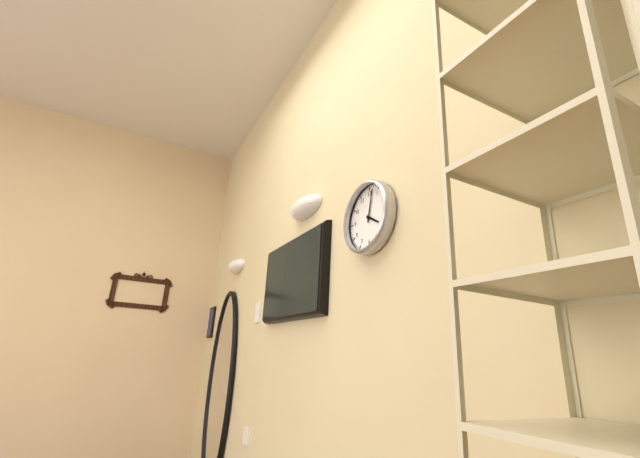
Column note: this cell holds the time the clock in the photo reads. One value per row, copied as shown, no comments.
4:02
